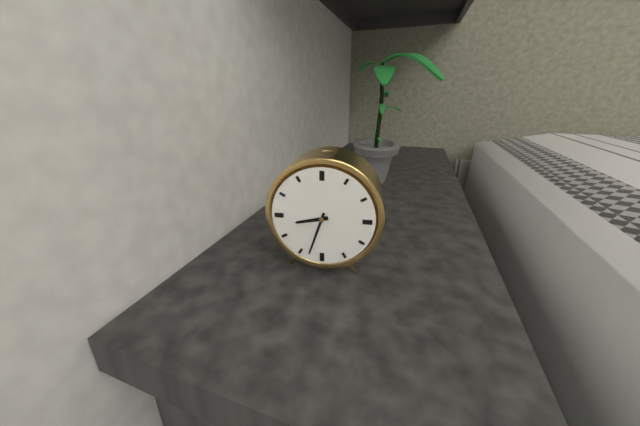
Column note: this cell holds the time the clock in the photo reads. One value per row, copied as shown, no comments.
8:33
